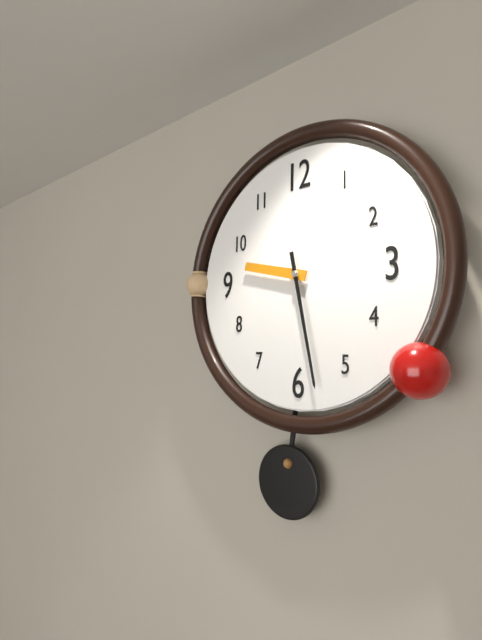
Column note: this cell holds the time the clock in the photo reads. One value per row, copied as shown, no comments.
9:28
